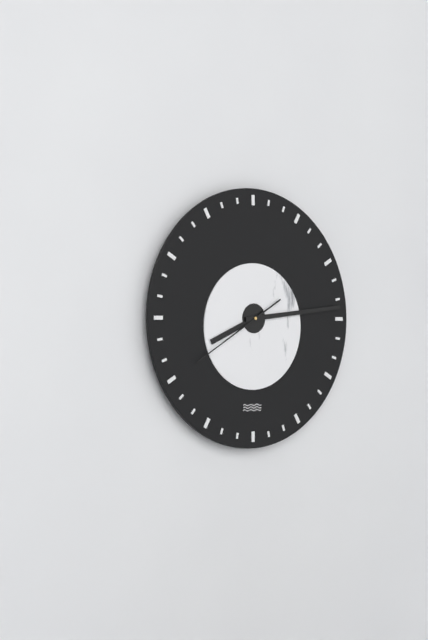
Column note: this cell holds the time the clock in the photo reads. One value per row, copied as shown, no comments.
8:14:40
